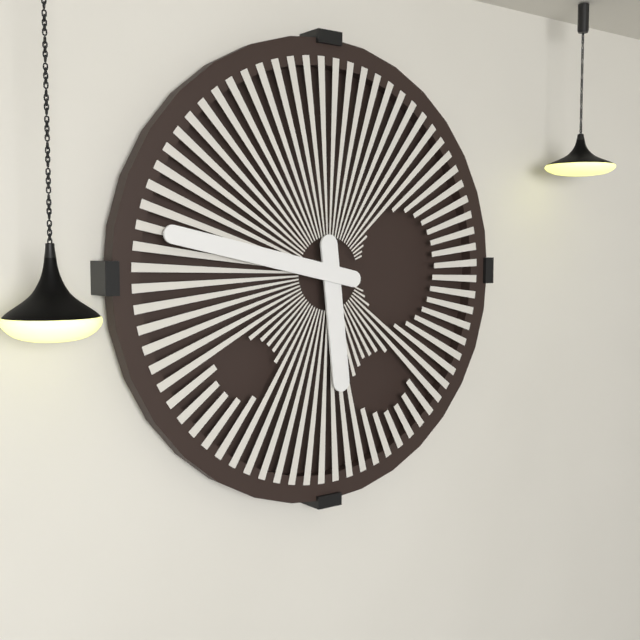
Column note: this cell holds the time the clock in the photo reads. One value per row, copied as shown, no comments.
5:47
